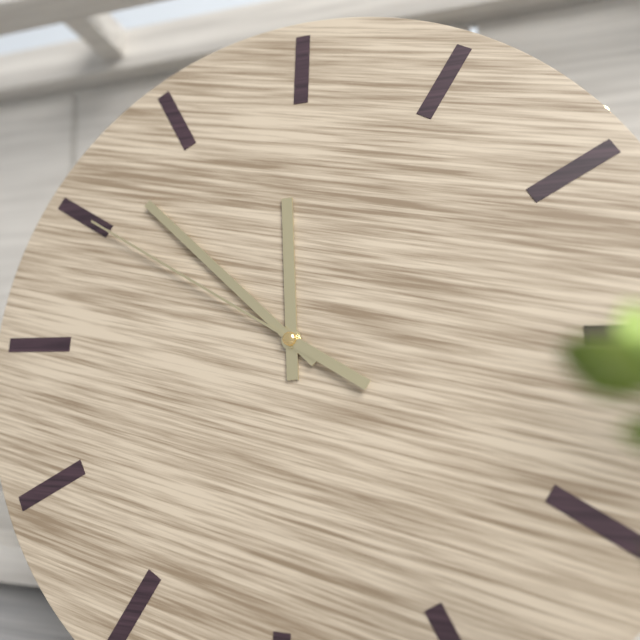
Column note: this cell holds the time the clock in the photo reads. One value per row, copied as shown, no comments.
11:52:50
